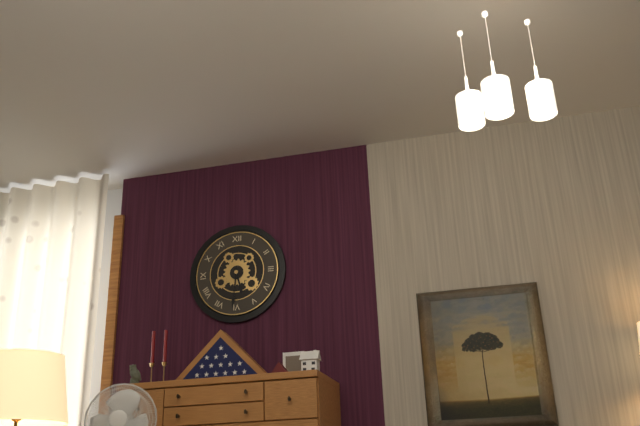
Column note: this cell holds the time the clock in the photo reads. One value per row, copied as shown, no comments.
5:31
